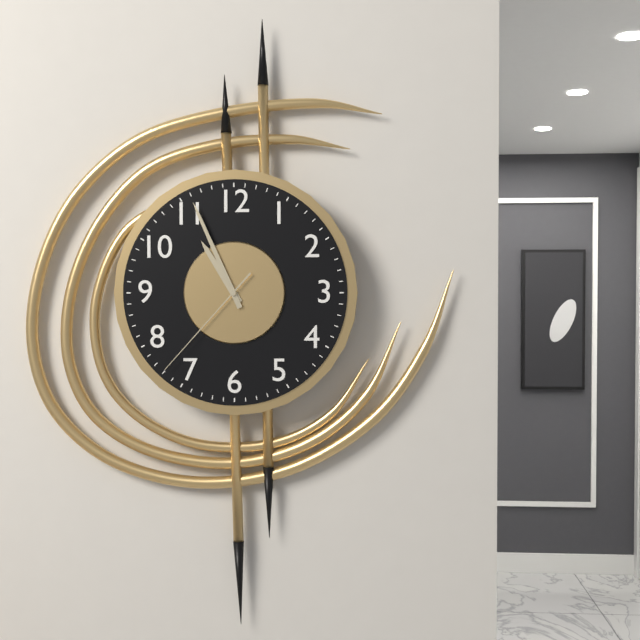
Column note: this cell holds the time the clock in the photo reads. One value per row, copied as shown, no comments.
10:56:37
